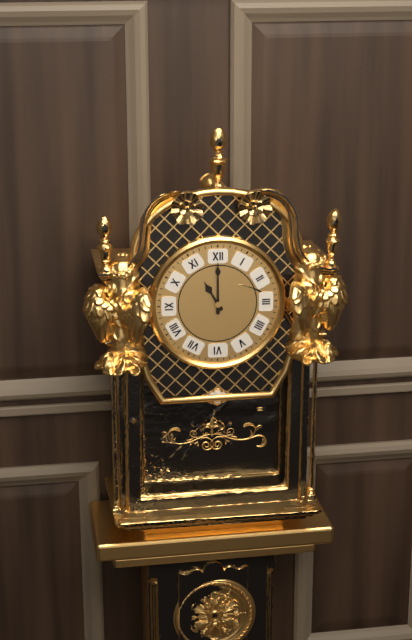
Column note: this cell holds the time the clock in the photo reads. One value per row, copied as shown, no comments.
11:00
